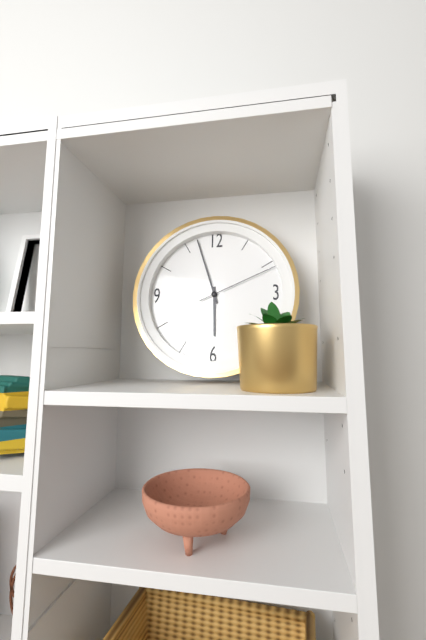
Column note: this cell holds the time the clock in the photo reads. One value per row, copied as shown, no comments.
5:57:11
